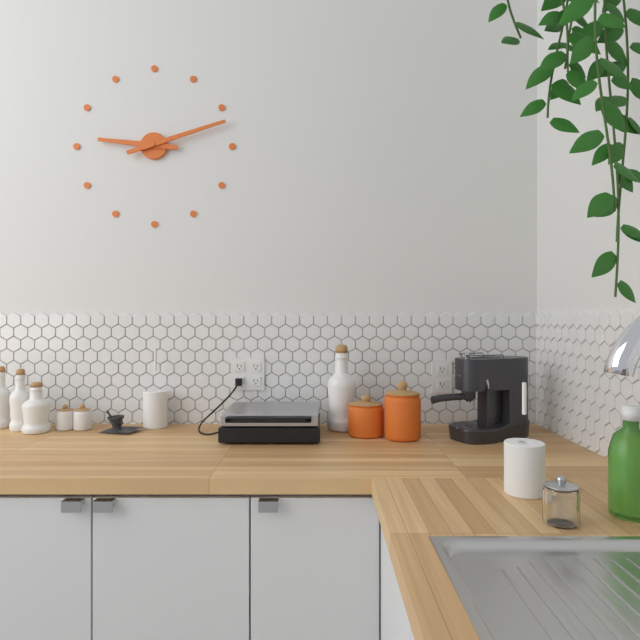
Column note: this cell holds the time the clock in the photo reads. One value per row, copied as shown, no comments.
9:12
